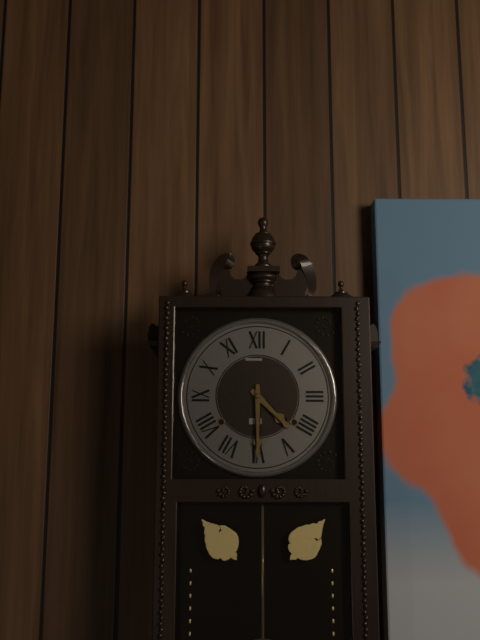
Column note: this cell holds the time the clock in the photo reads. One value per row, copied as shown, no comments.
4:30
